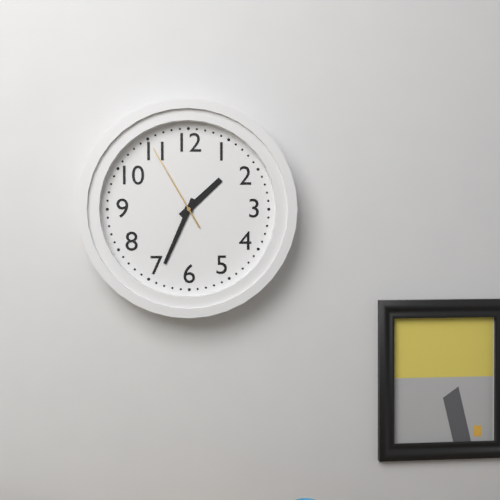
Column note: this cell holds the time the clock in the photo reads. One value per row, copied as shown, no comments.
1:34:55
